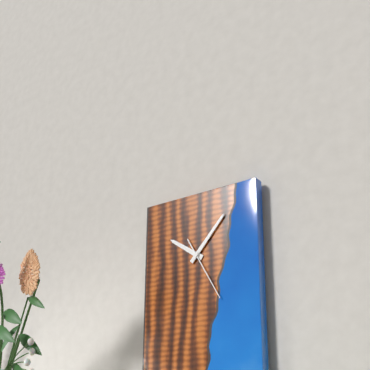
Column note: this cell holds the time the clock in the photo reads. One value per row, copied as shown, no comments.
10:07:25
